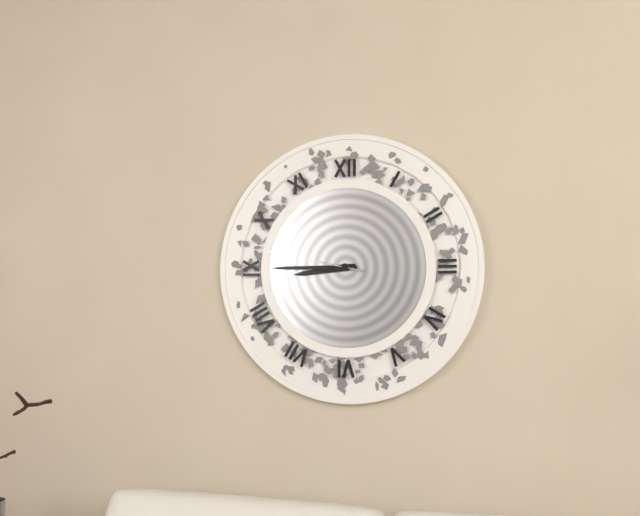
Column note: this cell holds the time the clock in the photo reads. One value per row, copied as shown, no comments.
8:45:47
